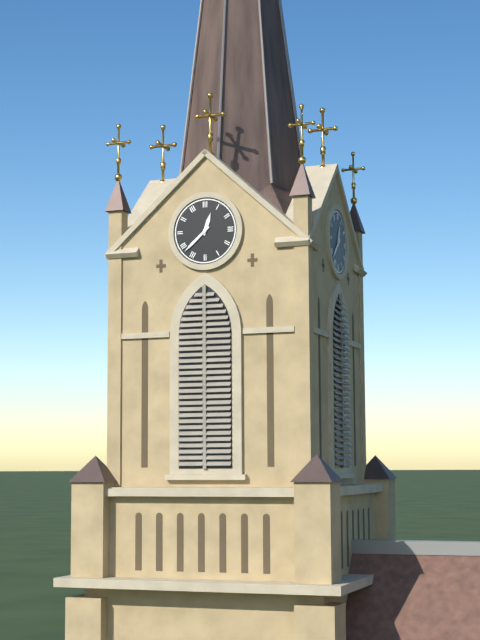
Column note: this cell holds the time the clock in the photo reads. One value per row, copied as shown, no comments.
12:38
